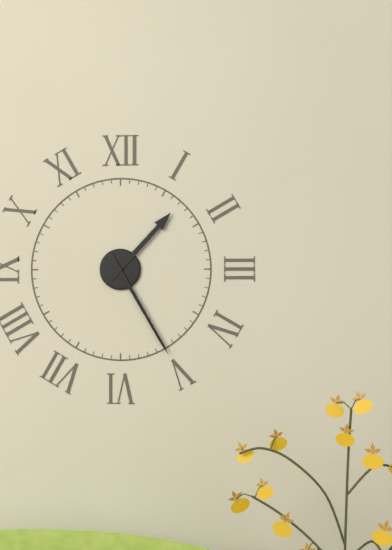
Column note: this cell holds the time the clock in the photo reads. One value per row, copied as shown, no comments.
1:25
